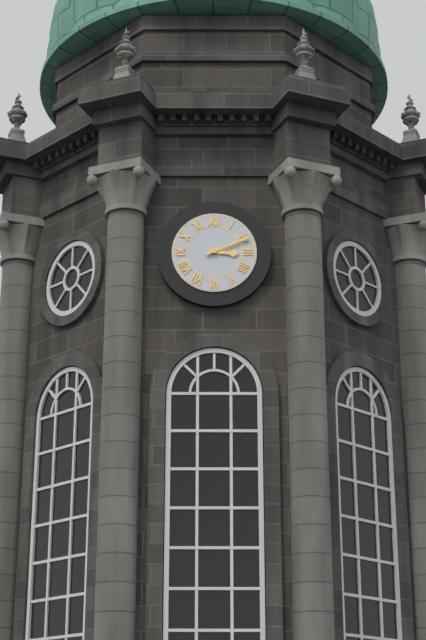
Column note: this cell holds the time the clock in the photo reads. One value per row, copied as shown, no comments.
3:11
